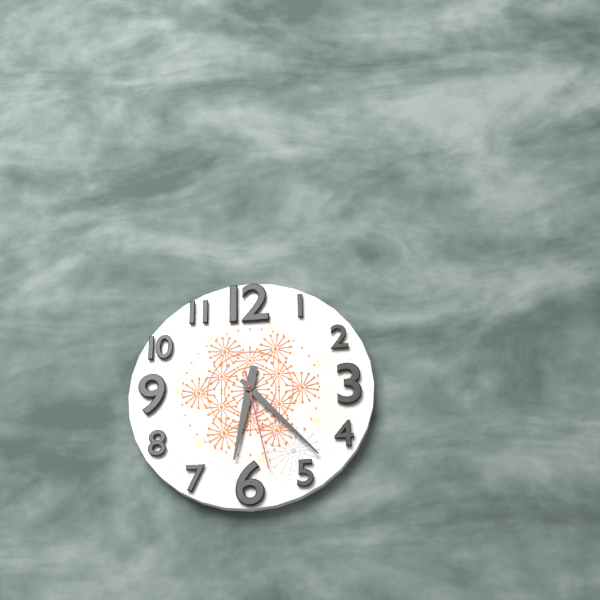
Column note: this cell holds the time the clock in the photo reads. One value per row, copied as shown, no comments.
6:23:28
